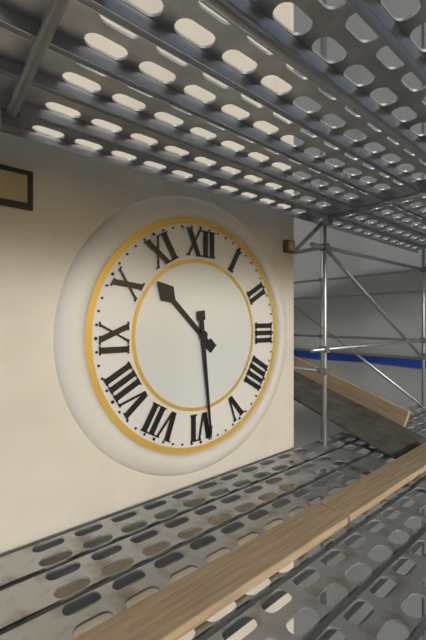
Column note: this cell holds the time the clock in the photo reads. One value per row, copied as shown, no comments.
10:29
